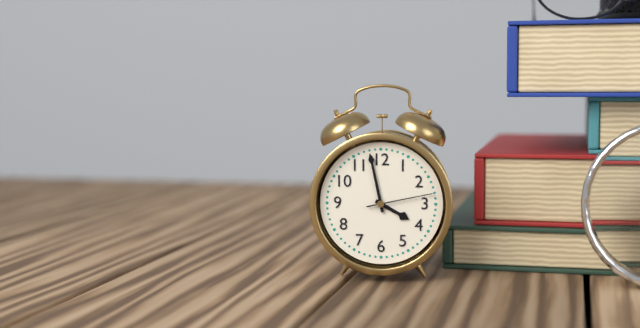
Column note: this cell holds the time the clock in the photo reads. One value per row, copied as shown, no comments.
3:58:13
